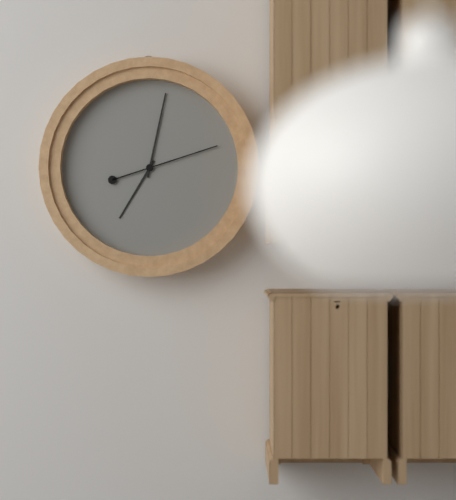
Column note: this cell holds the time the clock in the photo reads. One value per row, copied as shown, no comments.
7:02:12
